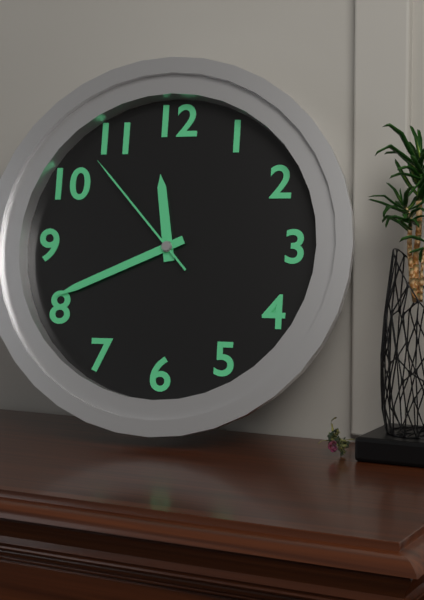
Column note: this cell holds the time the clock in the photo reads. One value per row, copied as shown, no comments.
11:41:53
